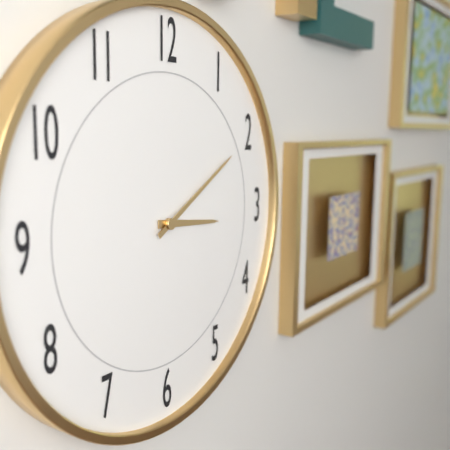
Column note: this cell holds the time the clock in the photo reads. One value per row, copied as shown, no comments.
3:10
